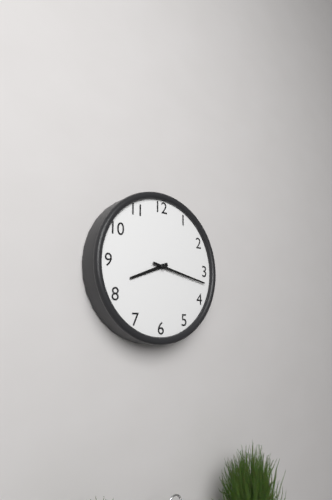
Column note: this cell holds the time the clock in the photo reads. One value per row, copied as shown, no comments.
8:17
